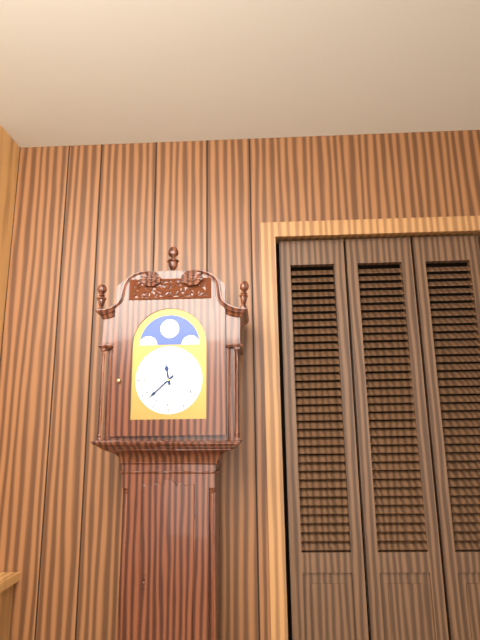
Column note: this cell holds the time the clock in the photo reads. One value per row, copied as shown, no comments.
11:38
